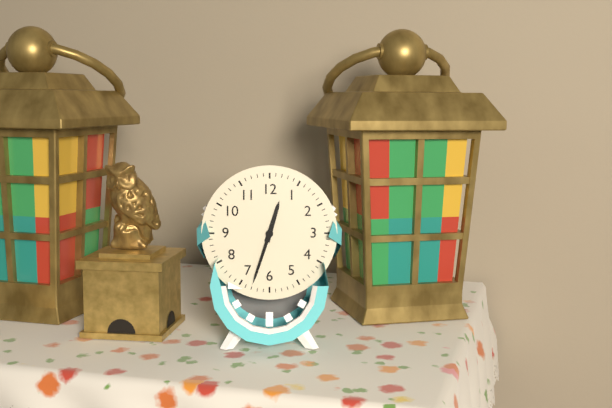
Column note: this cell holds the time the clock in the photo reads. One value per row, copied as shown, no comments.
12:33
